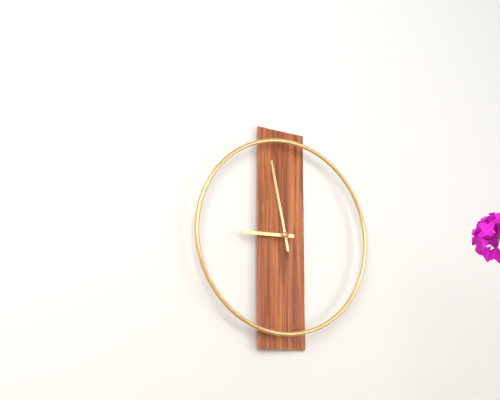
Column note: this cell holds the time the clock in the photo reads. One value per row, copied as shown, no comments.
8:58
